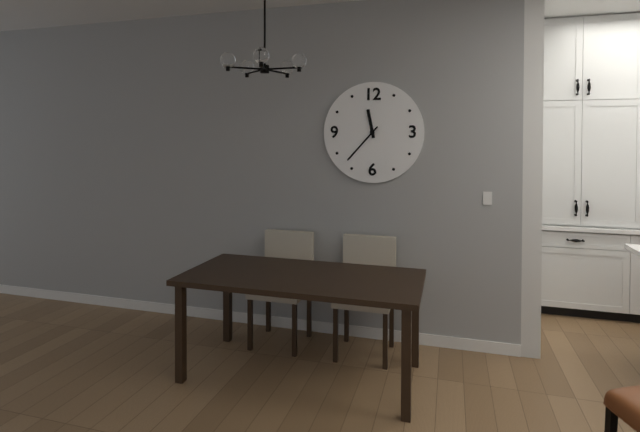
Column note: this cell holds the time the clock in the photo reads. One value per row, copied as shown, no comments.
11:37
